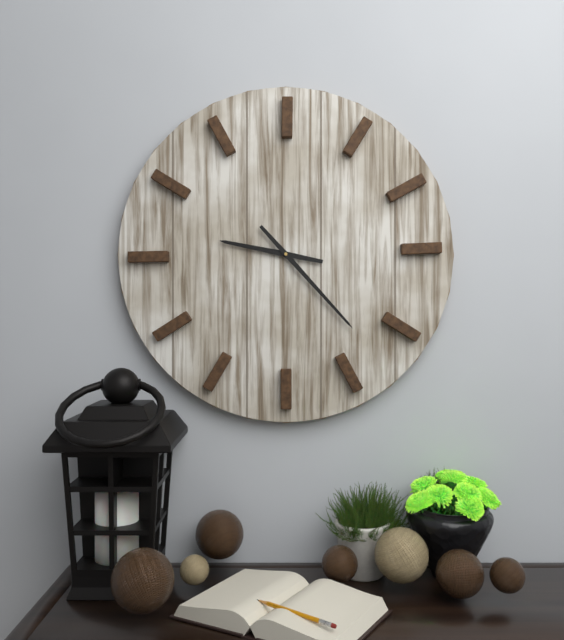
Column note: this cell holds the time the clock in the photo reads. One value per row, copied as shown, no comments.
9:23
